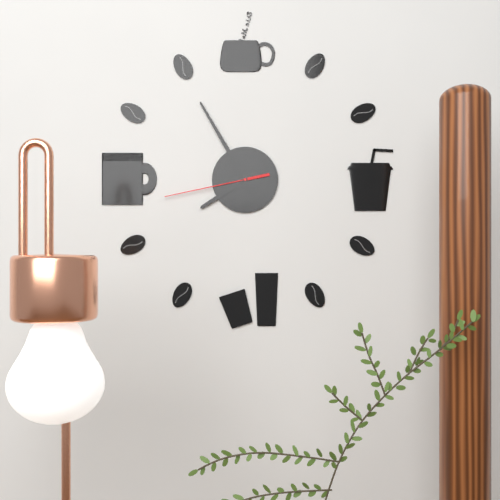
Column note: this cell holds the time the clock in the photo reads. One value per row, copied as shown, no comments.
7:55:43
